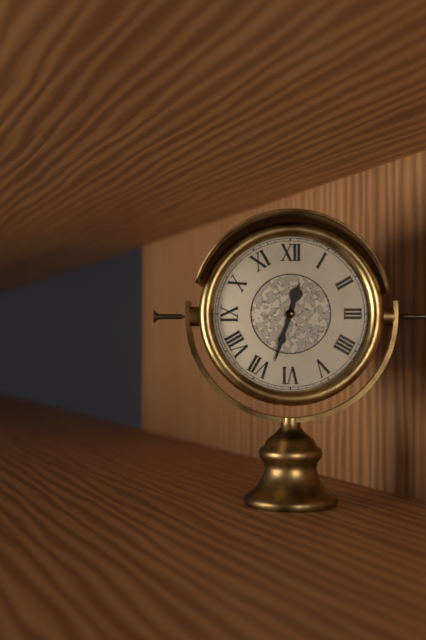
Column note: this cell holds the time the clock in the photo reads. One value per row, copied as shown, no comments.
12:33
